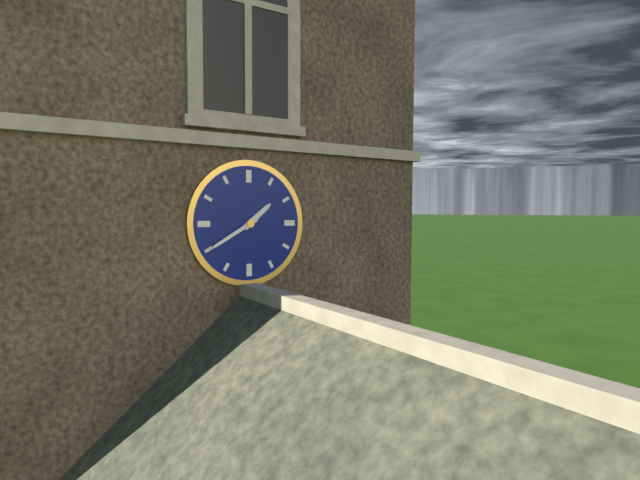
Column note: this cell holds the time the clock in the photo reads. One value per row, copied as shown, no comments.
1:40
